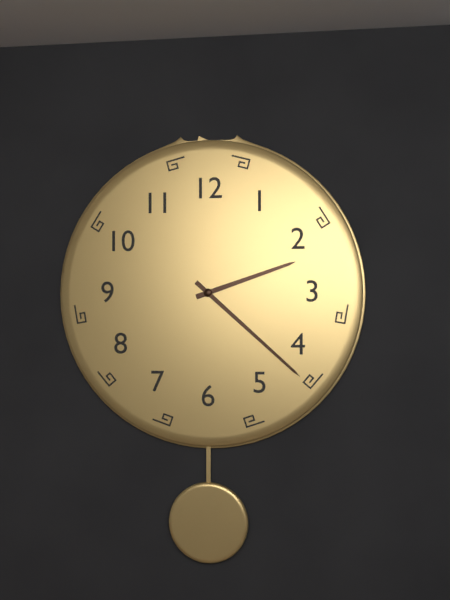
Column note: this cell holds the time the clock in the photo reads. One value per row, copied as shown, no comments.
2:22
